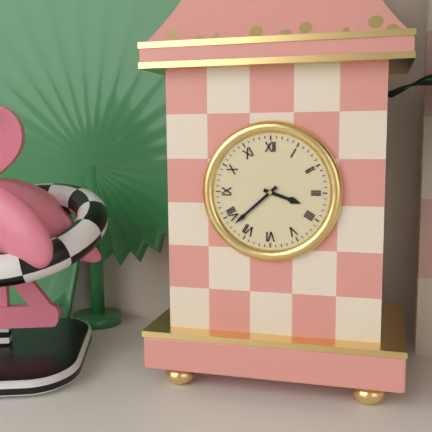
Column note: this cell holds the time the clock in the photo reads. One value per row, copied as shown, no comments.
3:38
